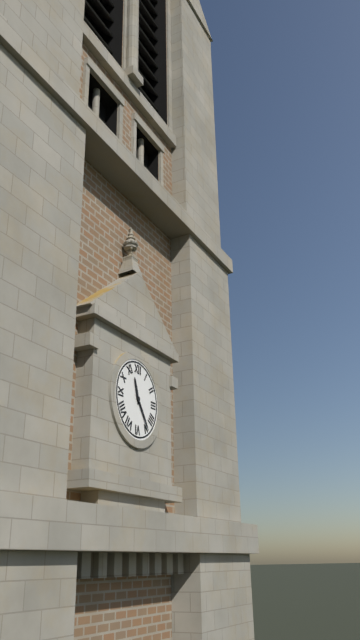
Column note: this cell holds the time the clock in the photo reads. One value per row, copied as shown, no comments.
11:24
